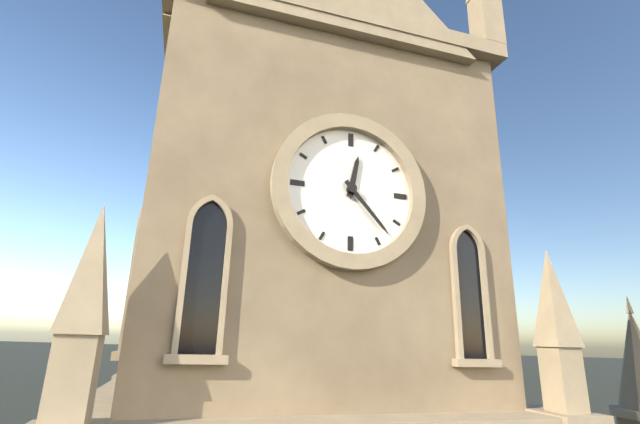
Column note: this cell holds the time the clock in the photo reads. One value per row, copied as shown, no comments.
12:23
